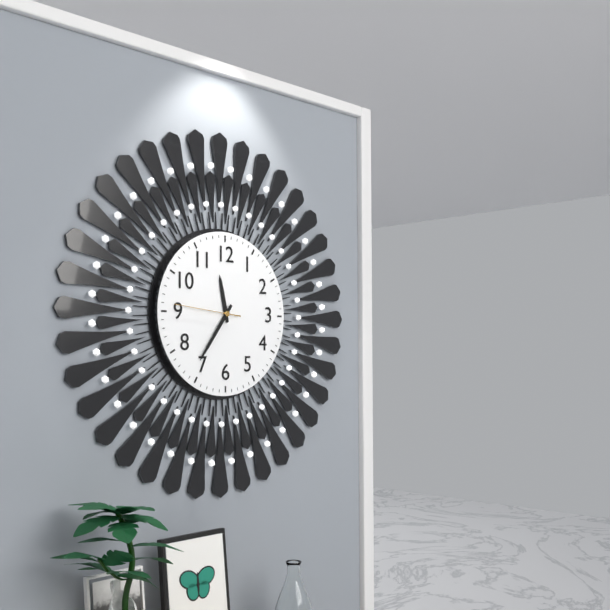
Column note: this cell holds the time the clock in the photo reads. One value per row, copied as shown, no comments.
11:36:46
